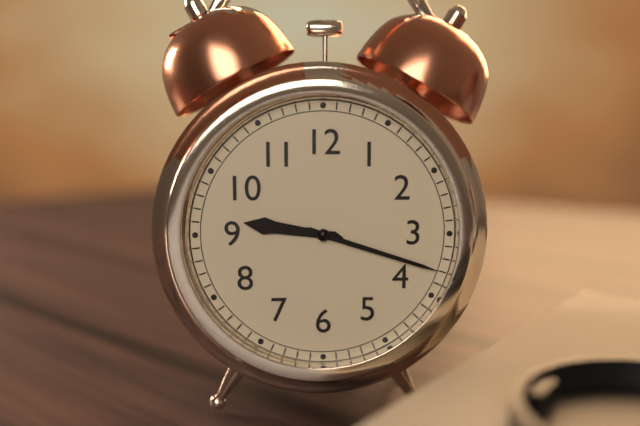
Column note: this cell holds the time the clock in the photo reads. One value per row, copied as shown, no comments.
9:18
